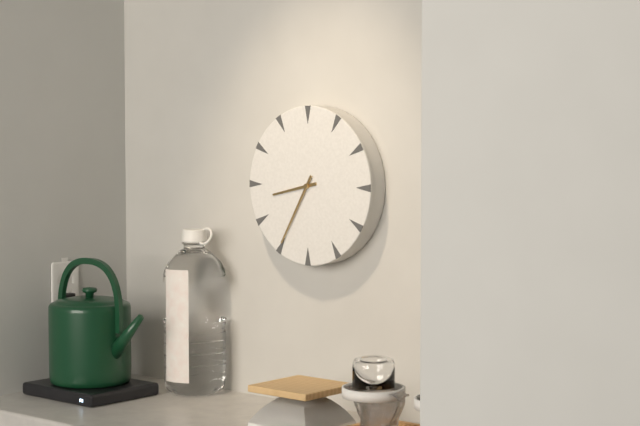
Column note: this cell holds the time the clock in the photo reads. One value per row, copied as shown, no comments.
8:35
